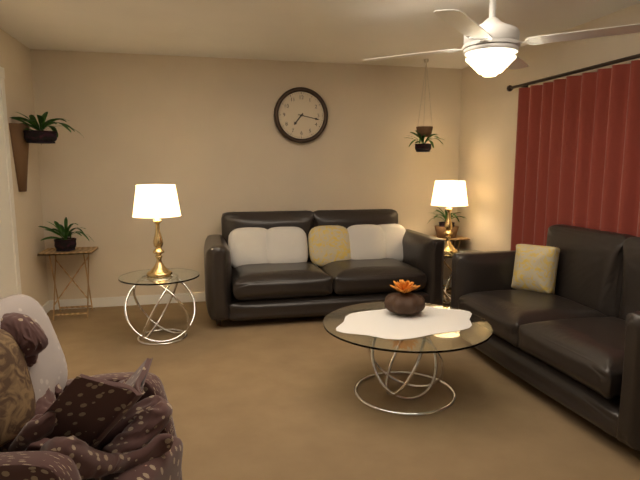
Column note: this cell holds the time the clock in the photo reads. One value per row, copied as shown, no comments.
7:17
